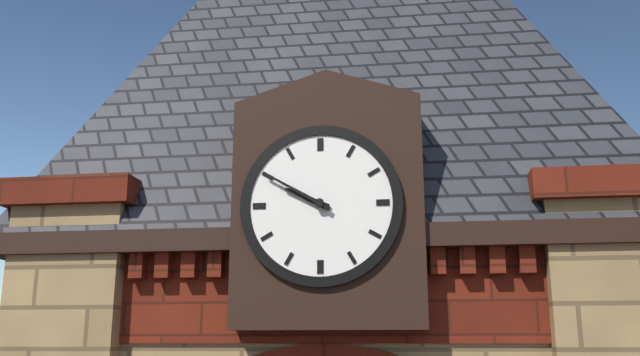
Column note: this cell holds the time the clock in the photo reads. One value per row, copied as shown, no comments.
9:50
